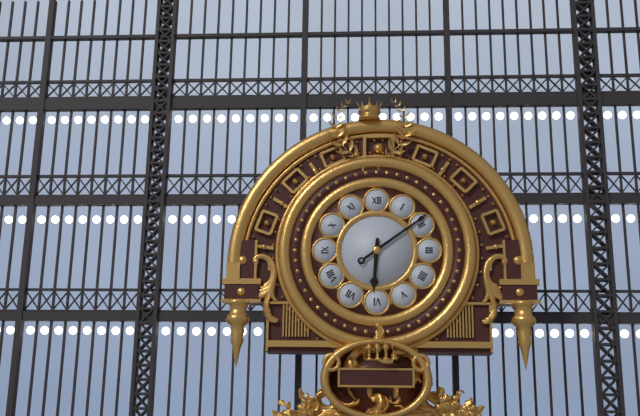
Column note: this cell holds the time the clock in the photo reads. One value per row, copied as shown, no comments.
6:09
